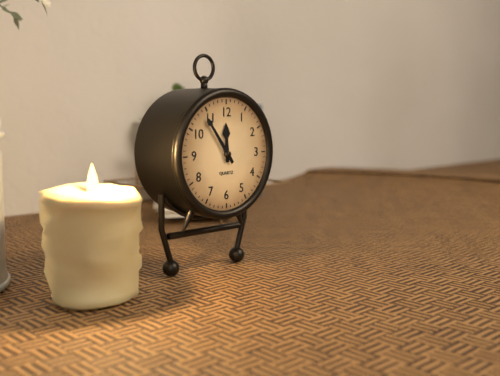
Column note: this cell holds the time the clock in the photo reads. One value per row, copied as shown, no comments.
11:54
